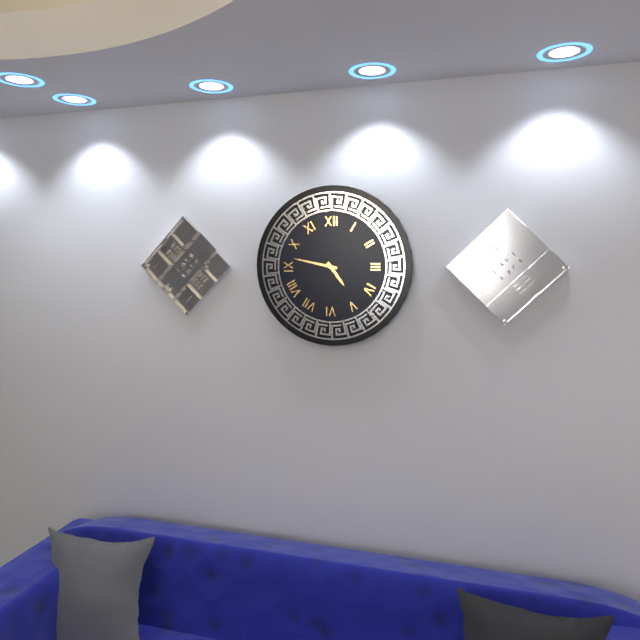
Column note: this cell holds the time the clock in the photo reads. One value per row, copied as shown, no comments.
4:47
